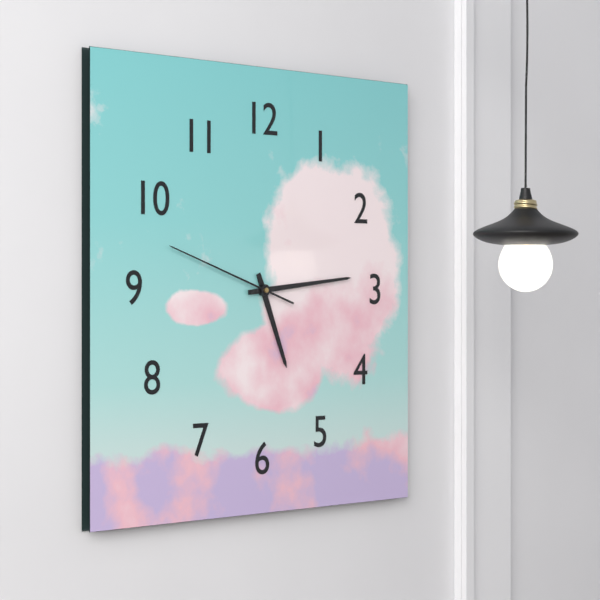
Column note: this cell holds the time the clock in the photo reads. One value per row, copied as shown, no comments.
5:14:48
